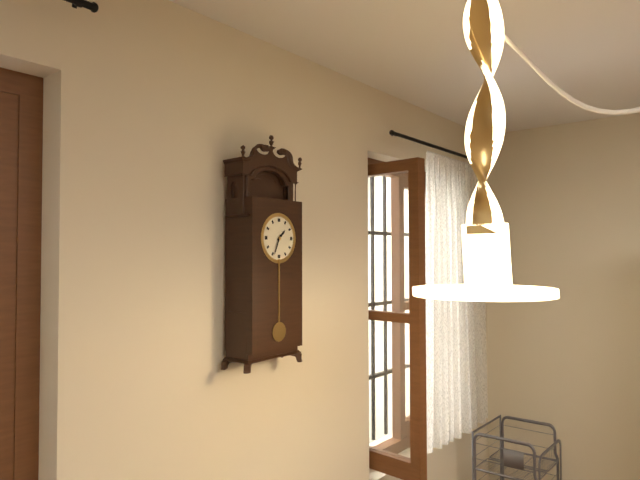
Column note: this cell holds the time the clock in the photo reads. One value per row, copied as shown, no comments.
1:34
